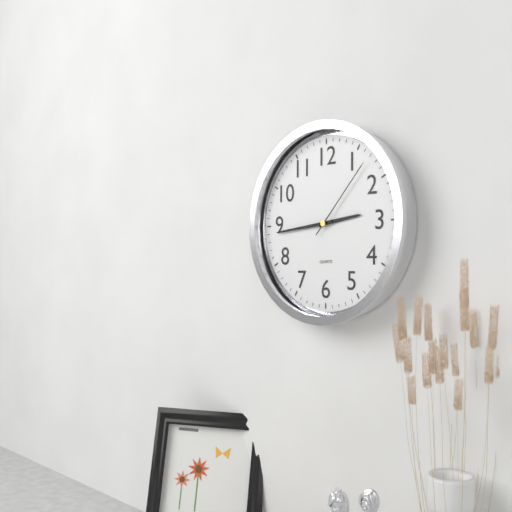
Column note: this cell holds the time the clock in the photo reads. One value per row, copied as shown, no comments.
2:44:07
